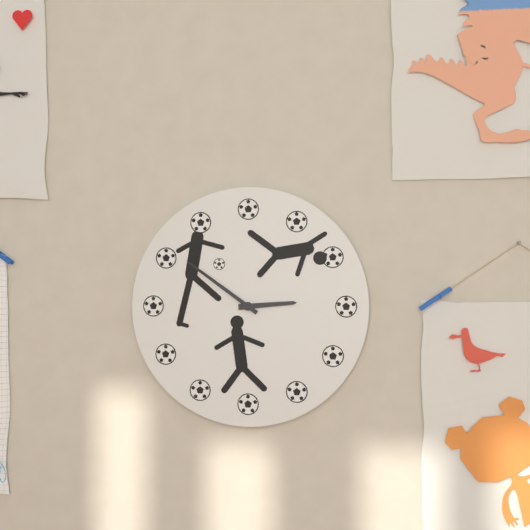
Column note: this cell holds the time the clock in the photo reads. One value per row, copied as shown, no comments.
2:51
